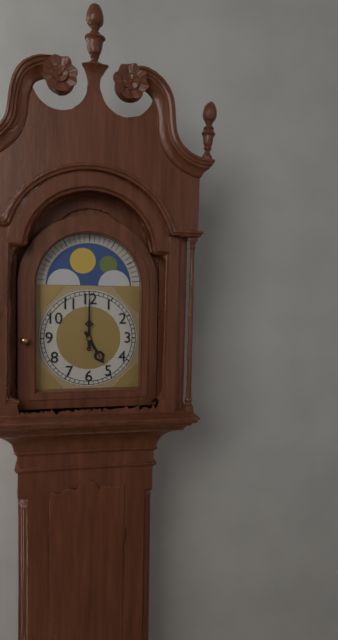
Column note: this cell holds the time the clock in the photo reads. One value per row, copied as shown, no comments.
5:00
